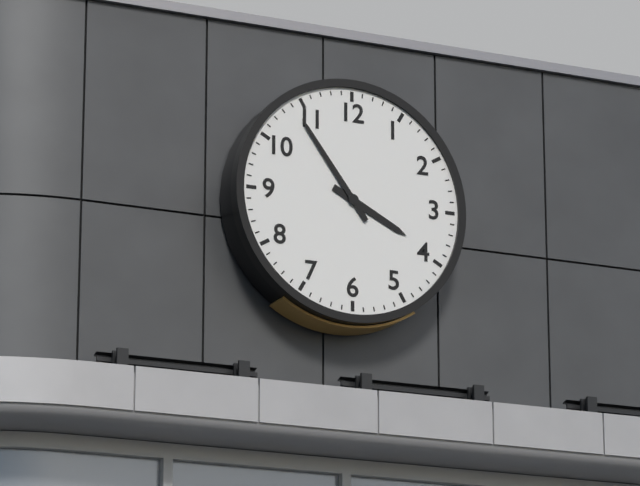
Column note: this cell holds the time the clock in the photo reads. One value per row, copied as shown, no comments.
3:54
